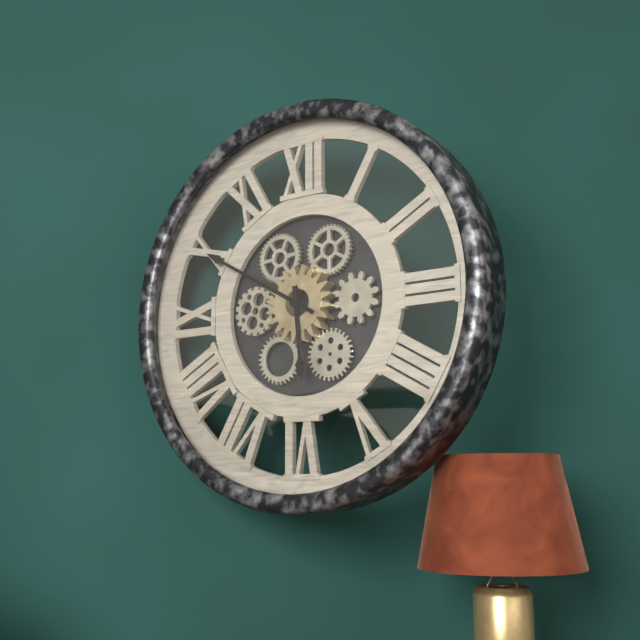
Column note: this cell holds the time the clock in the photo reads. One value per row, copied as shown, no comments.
5:50
